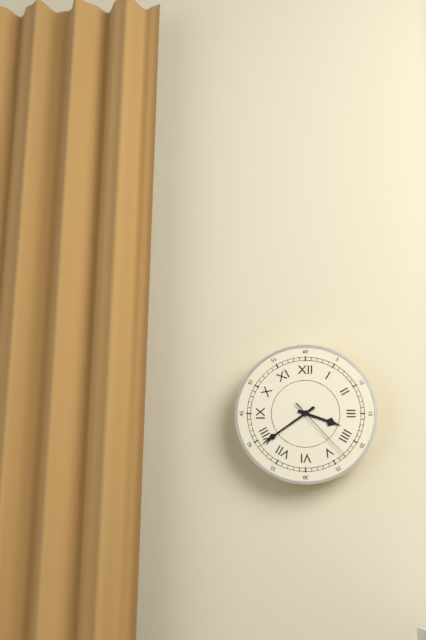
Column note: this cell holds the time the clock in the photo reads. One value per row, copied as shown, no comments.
3:39:23
